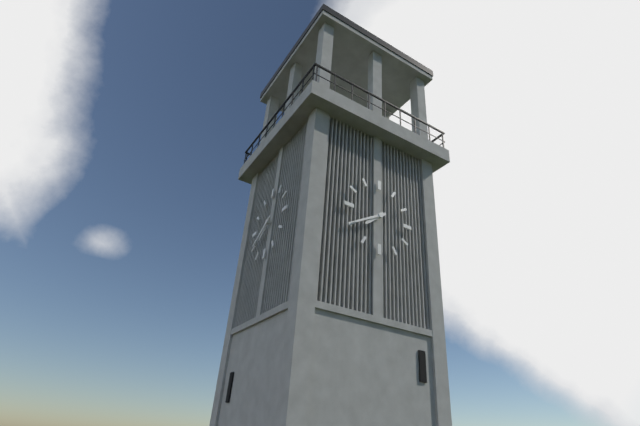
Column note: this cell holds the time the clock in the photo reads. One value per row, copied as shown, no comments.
7:40
